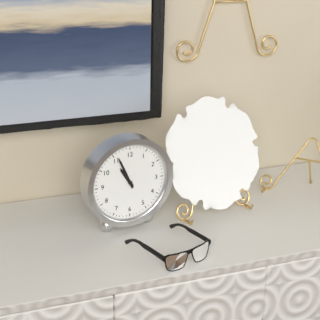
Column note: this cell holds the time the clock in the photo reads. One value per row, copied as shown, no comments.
10:56
